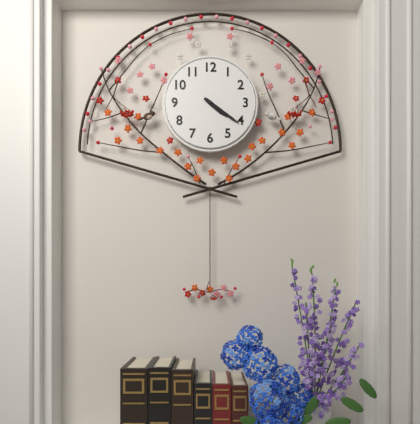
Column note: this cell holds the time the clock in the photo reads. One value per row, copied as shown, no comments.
4:21
